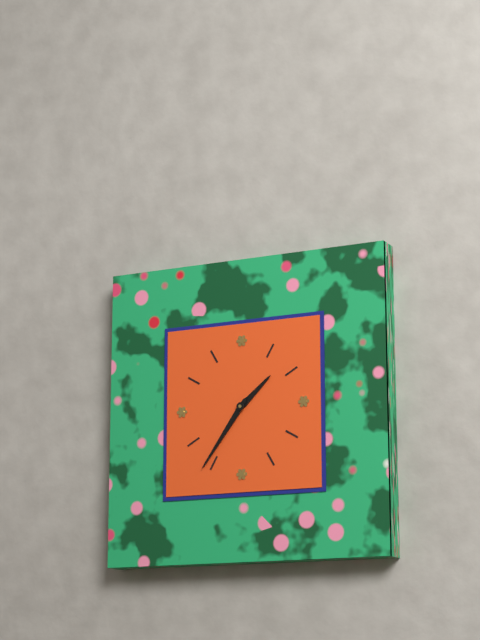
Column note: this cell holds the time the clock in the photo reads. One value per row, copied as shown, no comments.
1:36
